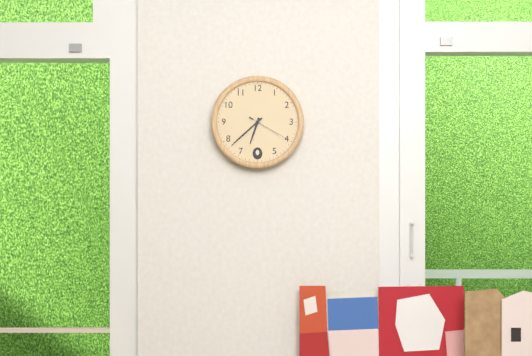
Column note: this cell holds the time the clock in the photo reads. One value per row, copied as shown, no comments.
6:38
